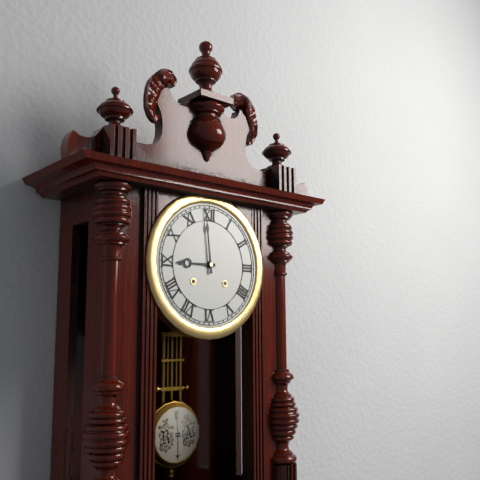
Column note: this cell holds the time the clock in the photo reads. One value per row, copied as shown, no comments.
8:59
